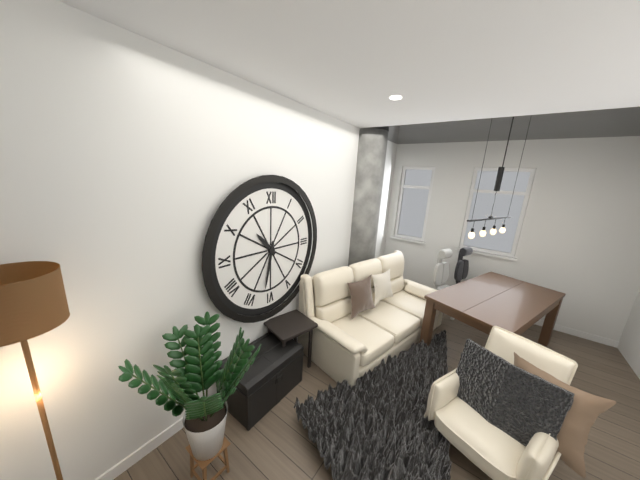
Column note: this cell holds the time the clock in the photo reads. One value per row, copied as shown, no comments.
10:32
